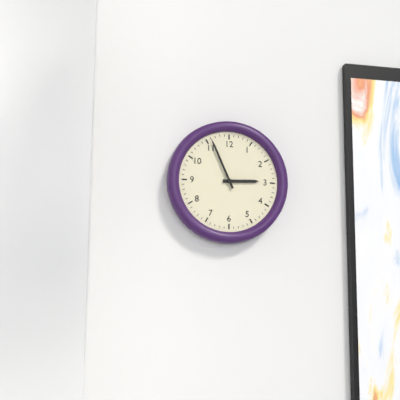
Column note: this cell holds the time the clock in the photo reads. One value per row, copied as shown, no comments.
2:56
